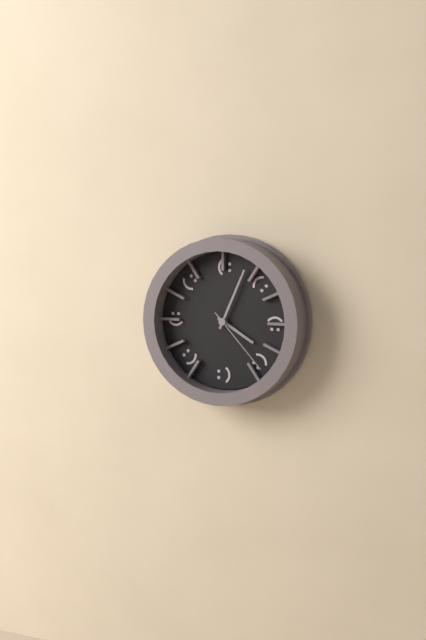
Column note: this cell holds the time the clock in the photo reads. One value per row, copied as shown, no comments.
4:04:23
